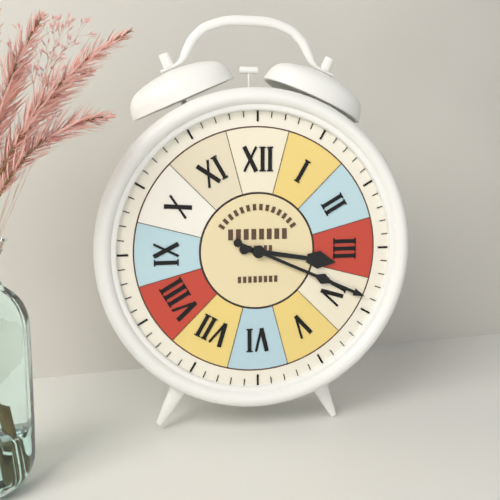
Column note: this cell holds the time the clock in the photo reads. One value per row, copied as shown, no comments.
3:19
